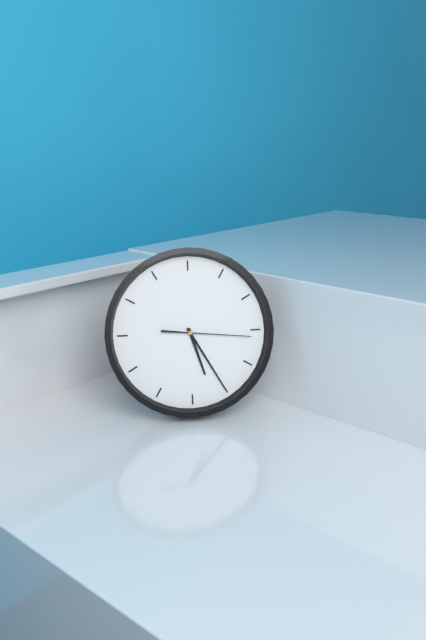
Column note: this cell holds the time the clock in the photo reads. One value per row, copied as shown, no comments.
5:25:16
